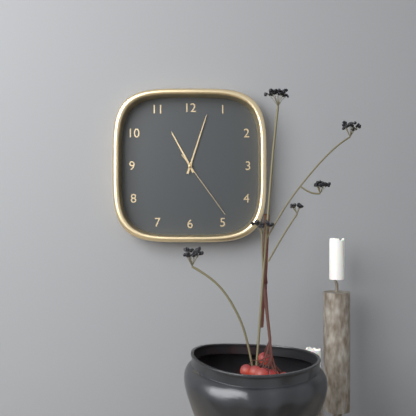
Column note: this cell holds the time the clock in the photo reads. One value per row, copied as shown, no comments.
11:03:24
